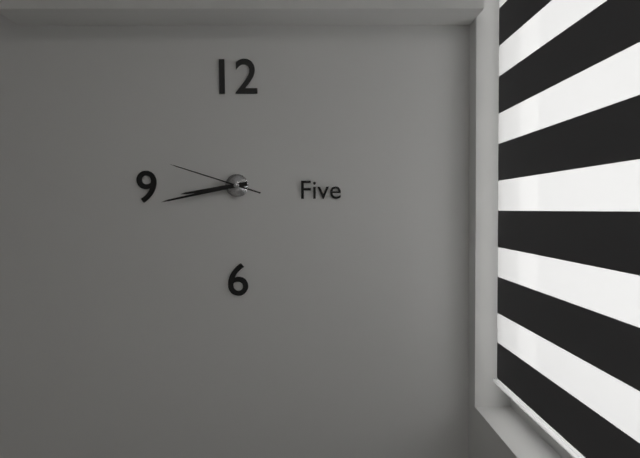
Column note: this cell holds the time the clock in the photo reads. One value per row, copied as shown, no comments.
8:43:48
